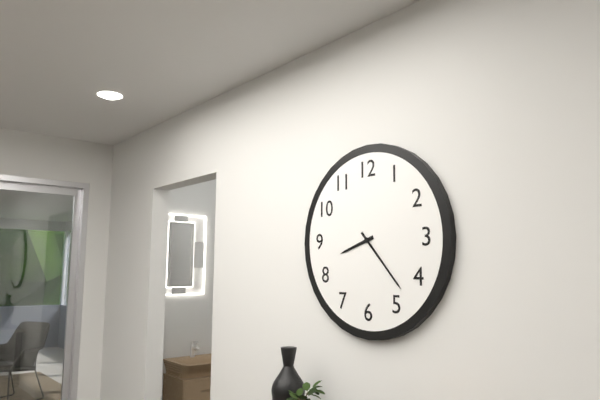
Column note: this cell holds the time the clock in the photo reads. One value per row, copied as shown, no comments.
8:23
